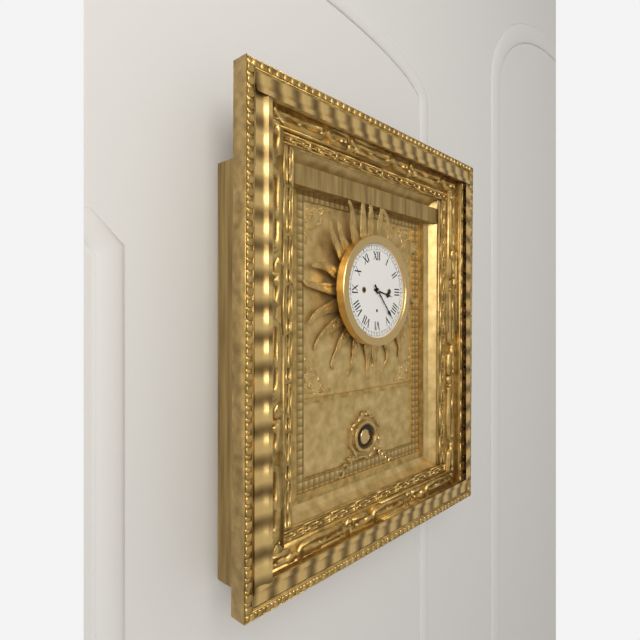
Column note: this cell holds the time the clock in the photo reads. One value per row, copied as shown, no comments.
3:23
